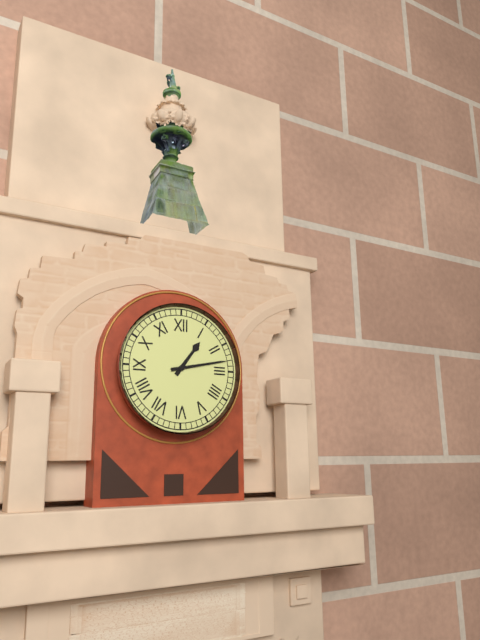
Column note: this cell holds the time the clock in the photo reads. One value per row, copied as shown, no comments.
1:13
